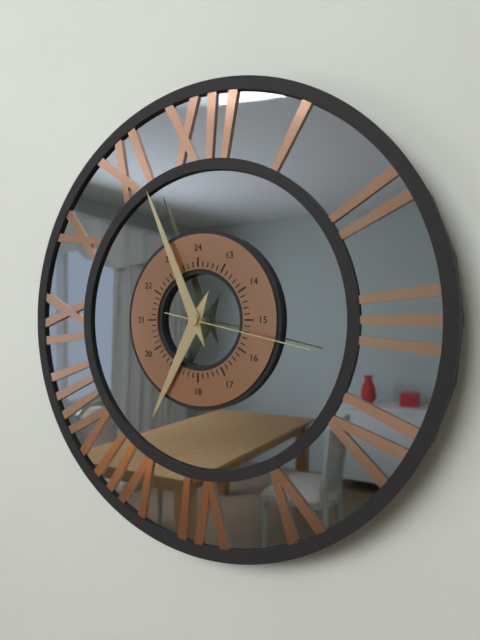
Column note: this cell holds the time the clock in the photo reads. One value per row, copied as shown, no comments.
6:56:17
